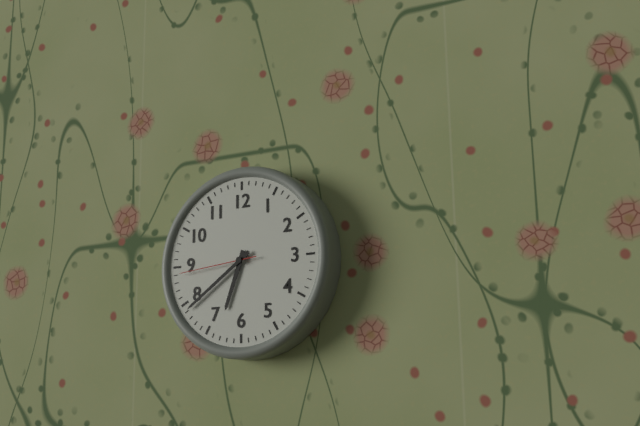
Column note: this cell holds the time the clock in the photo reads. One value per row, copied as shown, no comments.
6:39:44
